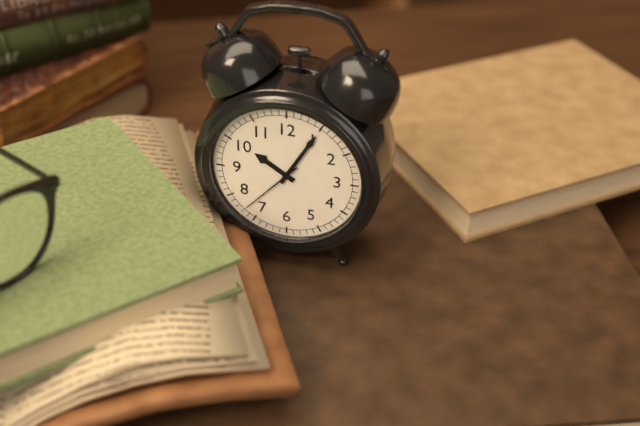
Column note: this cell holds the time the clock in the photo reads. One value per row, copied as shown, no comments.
10:05:37
